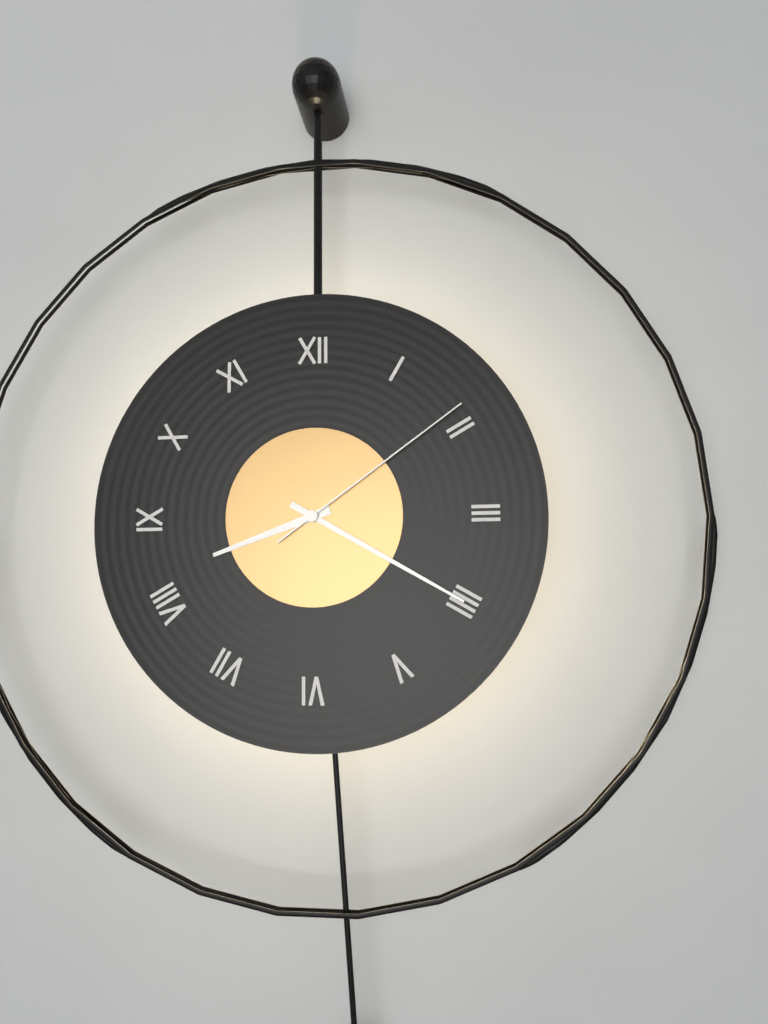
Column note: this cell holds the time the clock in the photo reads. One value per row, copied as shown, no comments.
8:20:09
